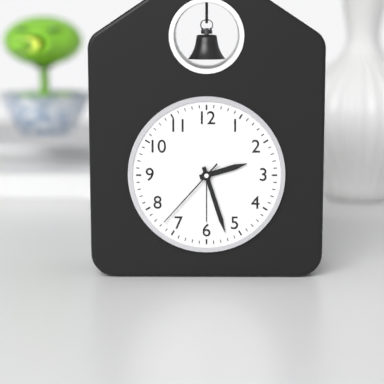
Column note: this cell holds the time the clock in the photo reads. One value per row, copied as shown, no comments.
2:27:37
